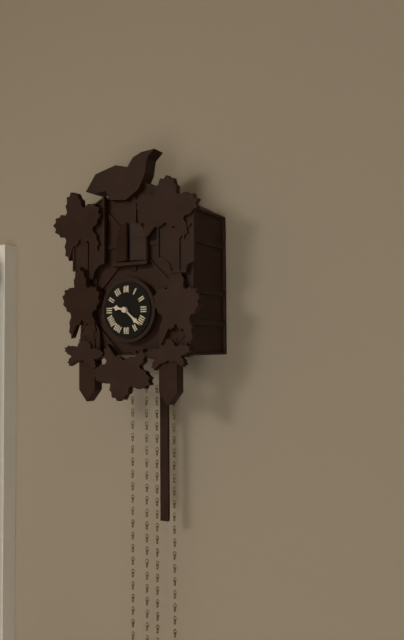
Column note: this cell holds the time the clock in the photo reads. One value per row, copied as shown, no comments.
9:22
